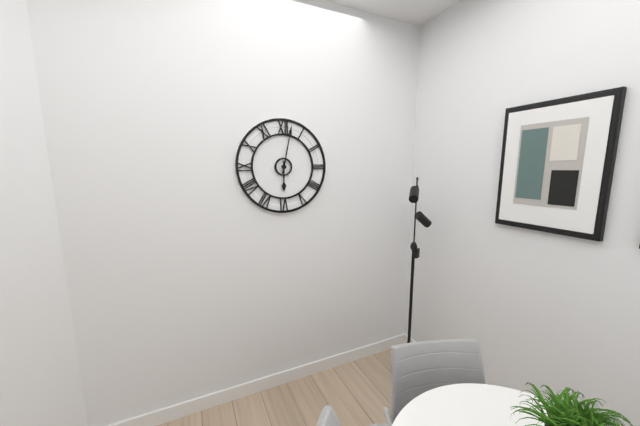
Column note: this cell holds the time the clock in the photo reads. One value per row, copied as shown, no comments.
6:02
